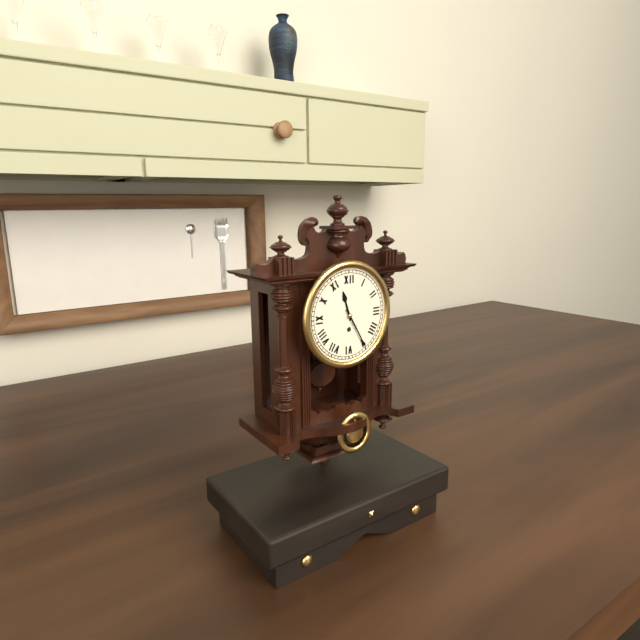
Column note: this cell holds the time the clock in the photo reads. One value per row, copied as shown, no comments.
11:25
